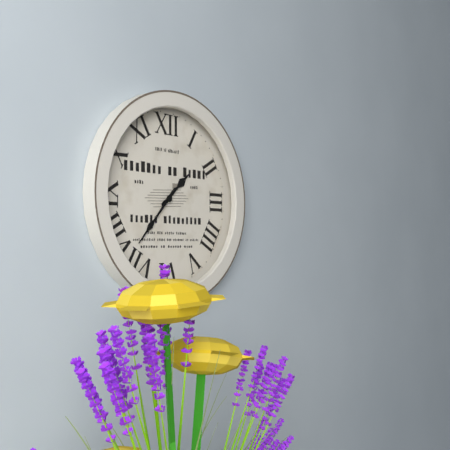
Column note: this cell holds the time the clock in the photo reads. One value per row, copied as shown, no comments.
1:37
